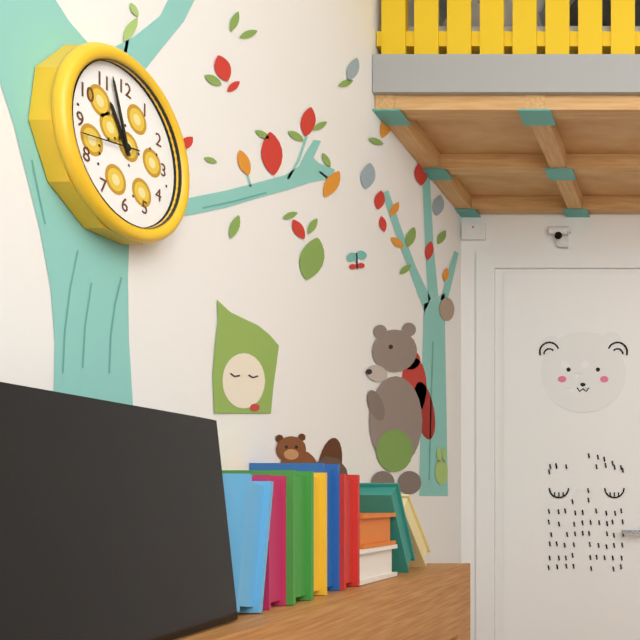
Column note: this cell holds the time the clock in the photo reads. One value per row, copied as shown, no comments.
10:57:43
